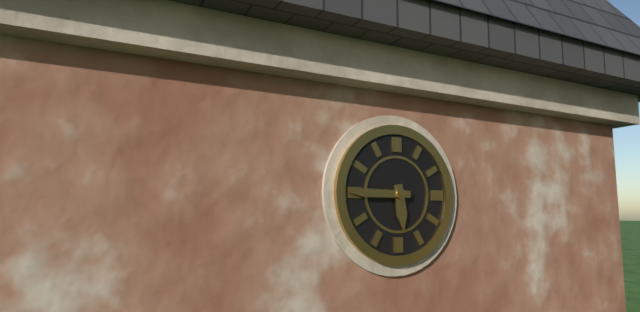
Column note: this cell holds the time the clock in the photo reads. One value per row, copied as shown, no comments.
5:45
